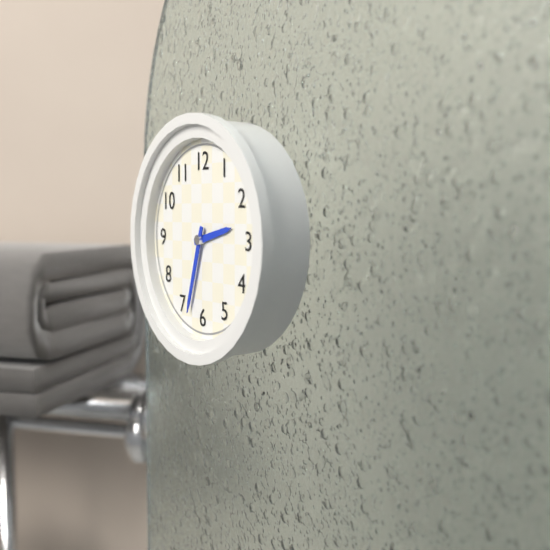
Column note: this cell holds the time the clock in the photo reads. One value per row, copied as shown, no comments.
2:33
